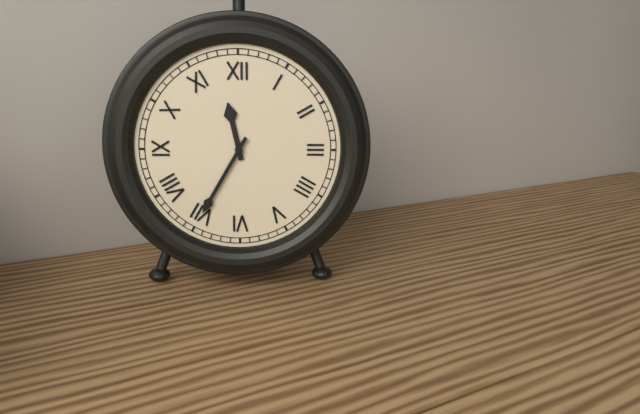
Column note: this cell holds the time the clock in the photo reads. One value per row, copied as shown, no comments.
11:35
